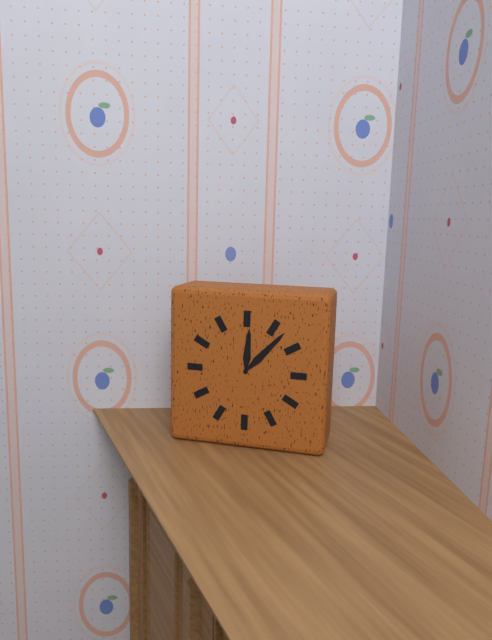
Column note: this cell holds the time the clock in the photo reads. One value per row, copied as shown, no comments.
12:07
